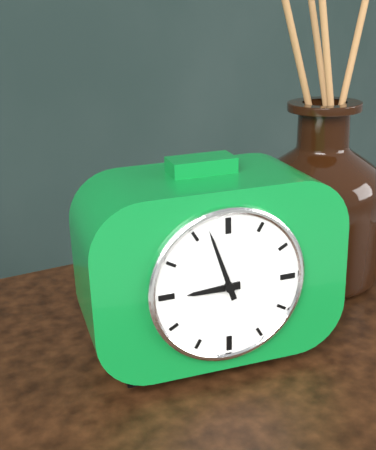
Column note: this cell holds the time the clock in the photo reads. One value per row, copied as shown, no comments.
8:57
